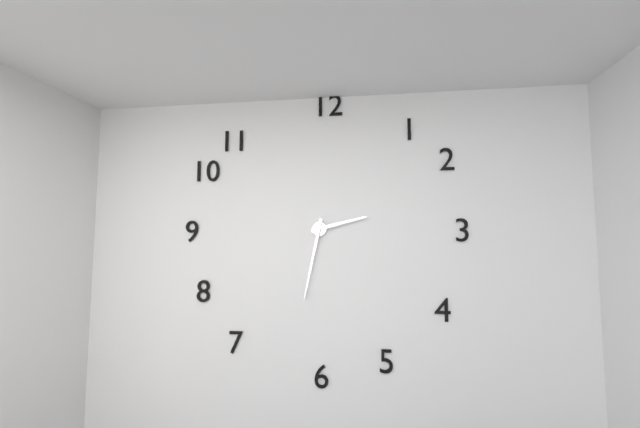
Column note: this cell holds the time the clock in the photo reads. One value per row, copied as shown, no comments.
2:32
